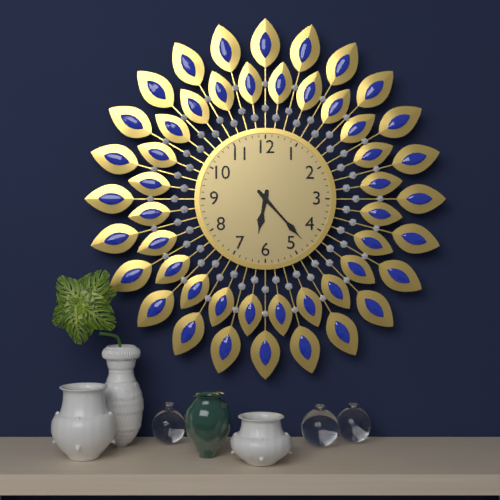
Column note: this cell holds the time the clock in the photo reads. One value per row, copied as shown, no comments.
6:23
